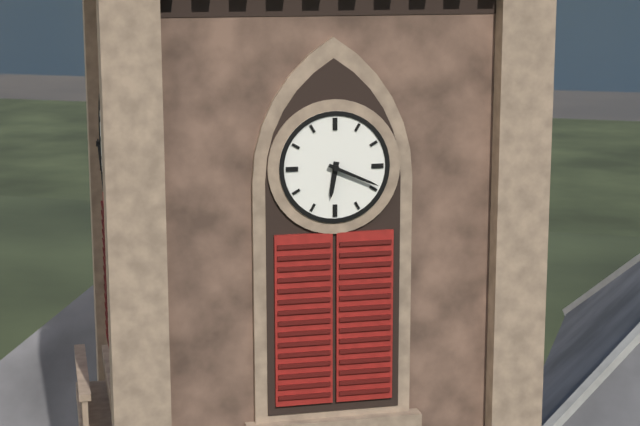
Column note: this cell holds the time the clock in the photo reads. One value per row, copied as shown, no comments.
6:19
